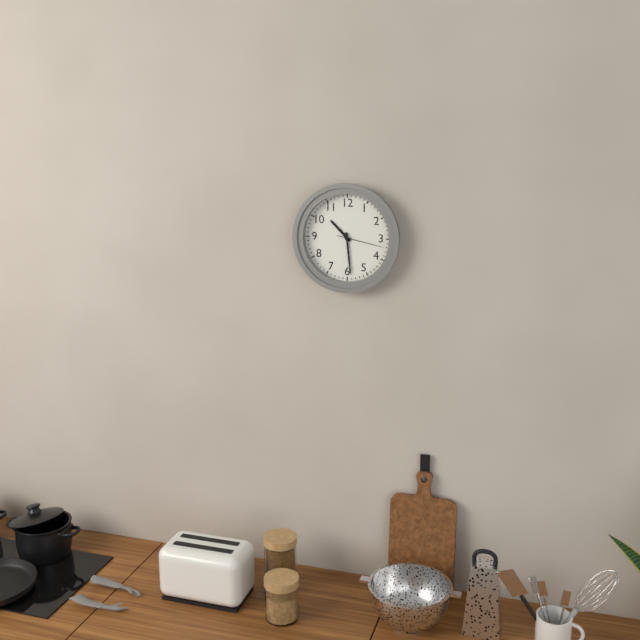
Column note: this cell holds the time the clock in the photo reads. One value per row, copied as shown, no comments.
10:29
